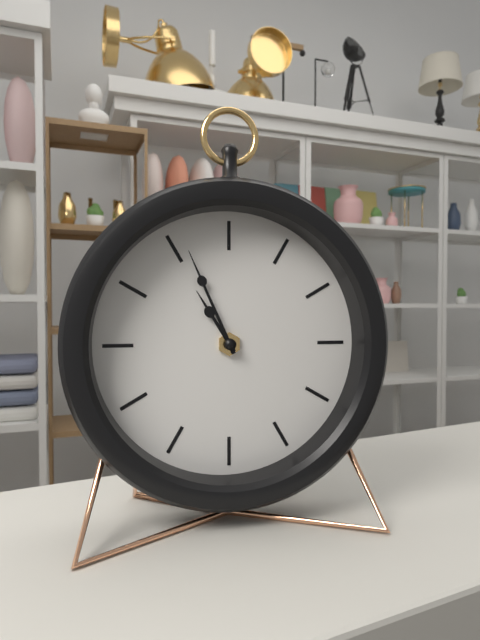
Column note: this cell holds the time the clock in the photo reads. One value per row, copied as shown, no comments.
10:56
